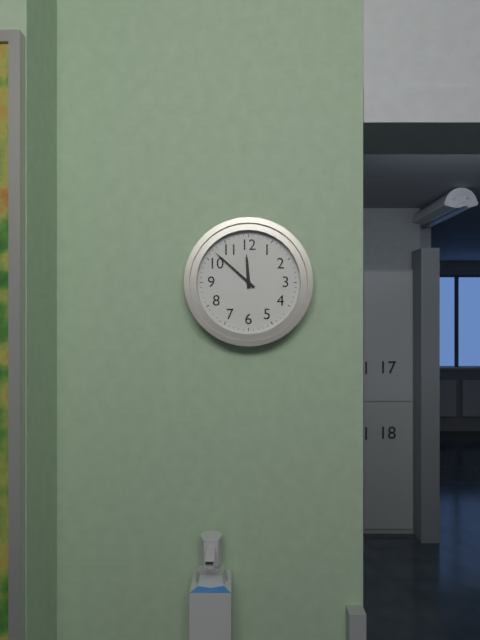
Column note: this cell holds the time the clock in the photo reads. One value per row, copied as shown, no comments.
11:52
